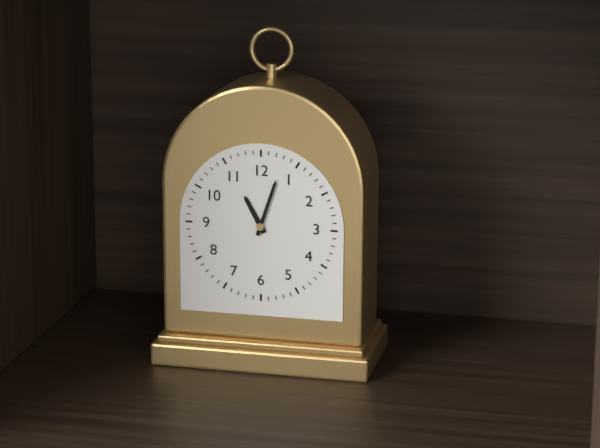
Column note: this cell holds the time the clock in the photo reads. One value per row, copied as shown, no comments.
11:03
